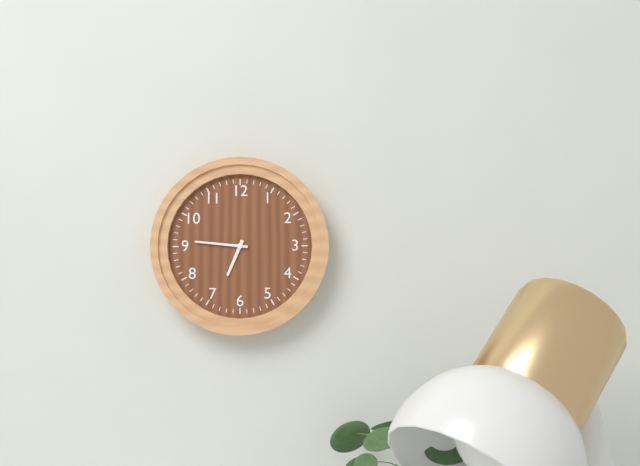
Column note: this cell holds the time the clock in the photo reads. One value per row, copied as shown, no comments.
6:46
